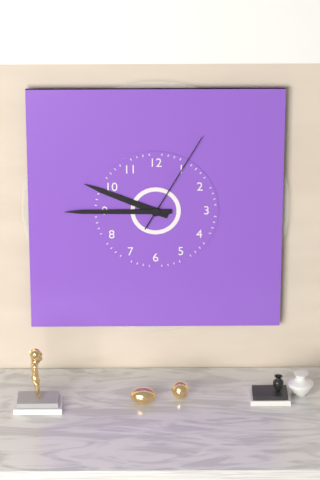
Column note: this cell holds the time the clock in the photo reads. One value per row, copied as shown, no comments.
9:45:05
